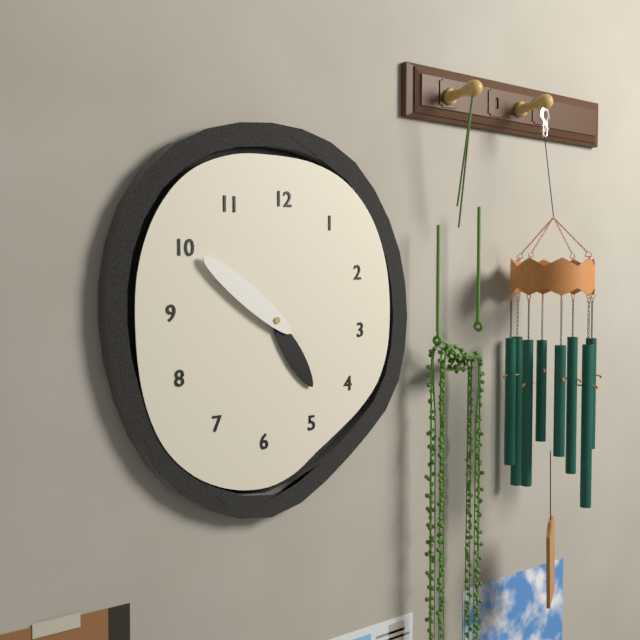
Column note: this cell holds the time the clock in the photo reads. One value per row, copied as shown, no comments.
4:51
